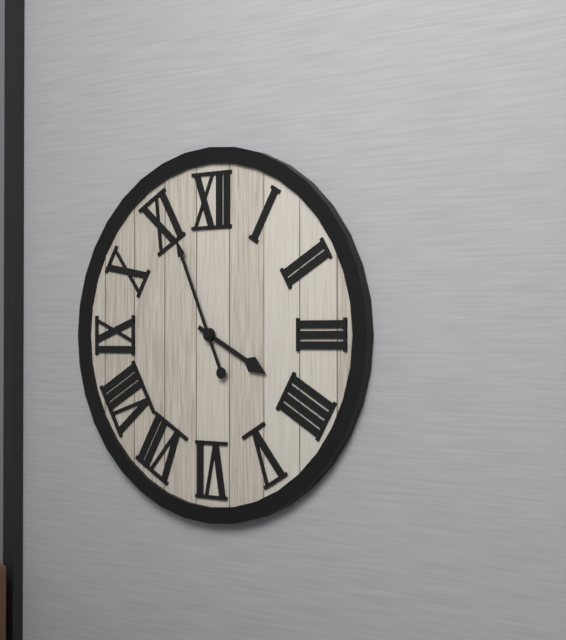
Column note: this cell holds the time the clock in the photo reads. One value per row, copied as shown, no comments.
3:56
